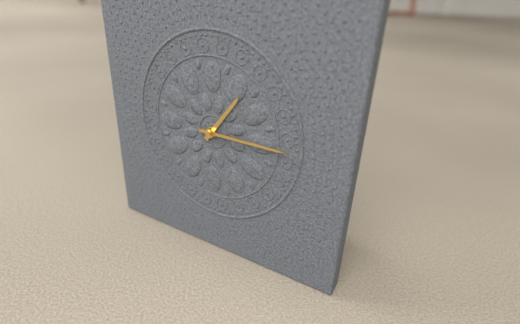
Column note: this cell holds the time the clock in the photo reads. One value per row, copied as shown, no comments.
1:15
